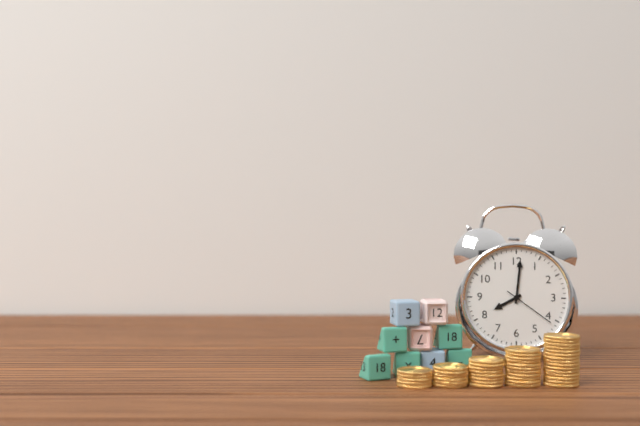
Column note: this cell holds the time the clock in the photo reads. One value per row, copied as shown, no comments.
8:01:21
